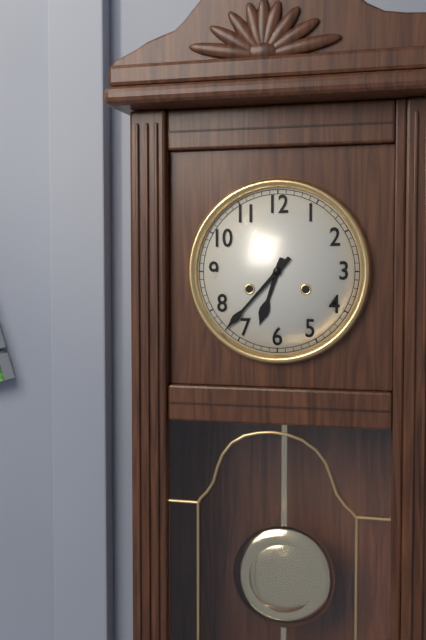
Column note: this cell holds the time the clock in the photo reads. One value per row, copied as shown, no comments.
6:37
